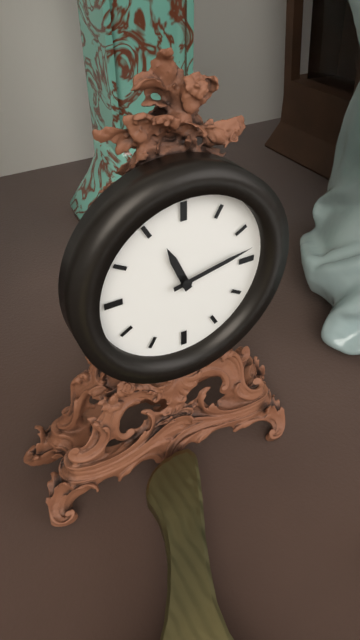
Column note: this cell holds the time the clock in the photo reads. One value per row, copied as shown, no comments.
11:13
